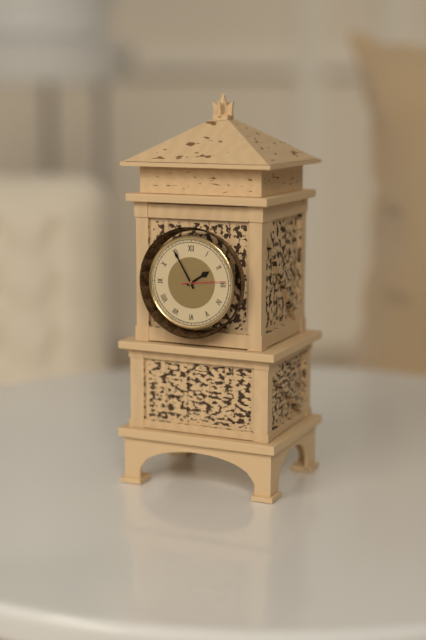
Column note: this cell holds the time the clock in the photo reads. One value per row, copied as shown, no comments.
1:55
